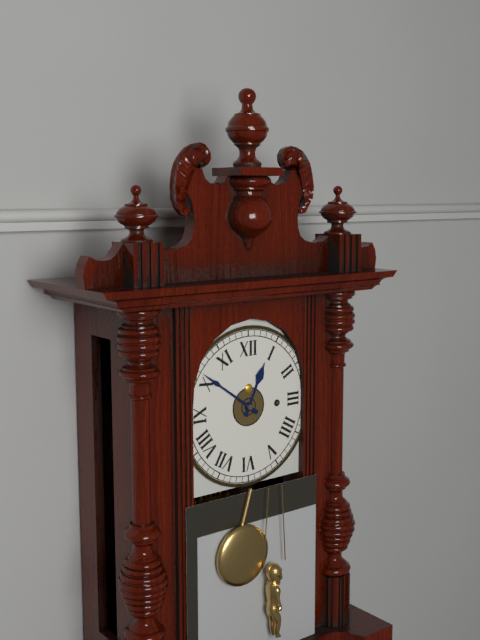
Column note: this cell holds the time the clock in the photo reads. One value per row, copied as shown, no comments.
12:51
